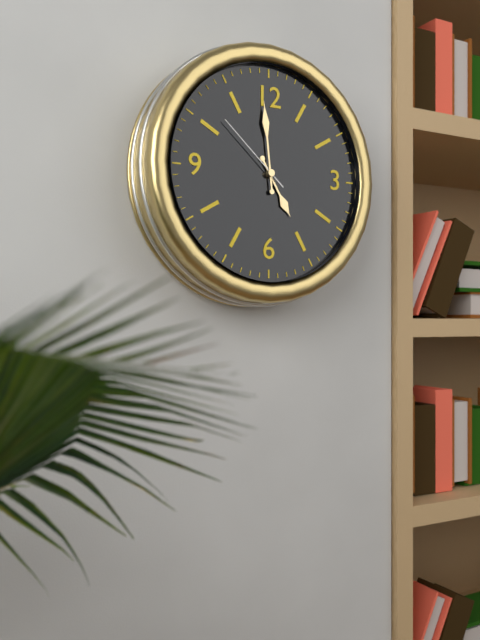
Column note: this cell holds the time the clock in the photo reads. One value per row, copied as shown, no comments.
4:59:52
